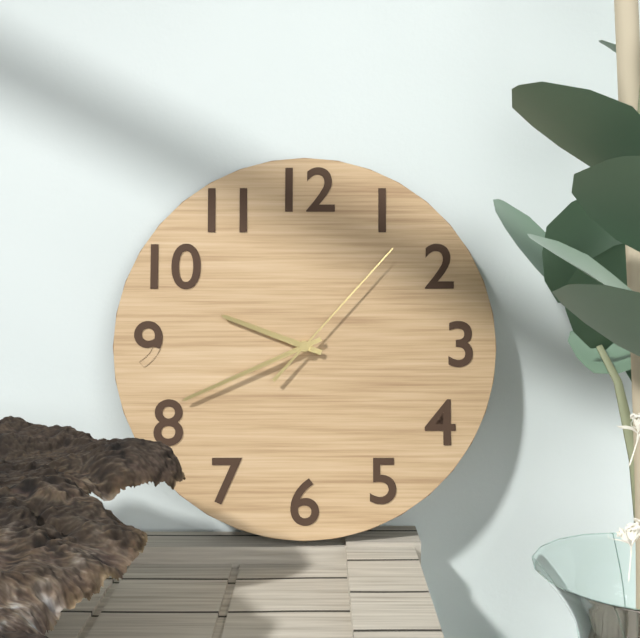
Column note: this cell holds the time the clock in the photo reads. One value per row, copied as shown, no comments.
9:41:07
